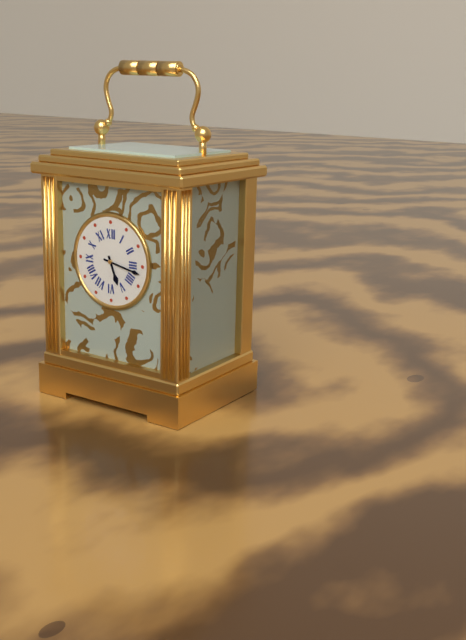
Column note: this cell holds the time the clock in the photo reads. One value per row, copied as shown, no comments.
5:17
